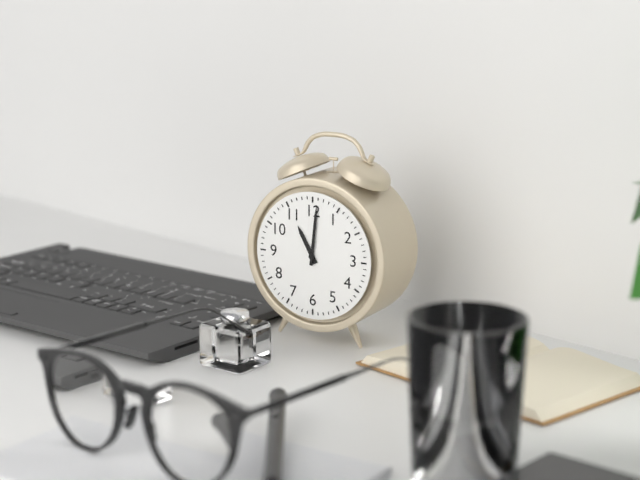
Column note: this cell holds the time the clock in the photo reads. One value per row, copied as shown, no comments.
11:01
